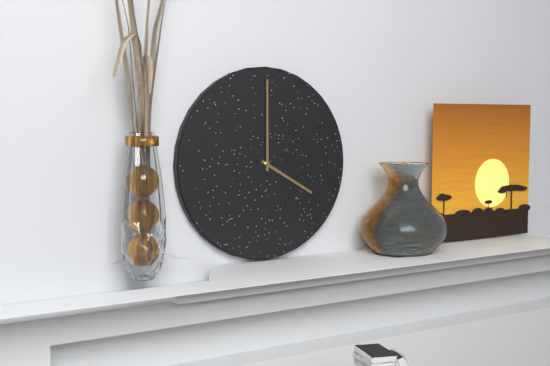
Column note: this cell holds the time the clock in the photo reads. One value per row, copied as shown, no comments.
4:00
